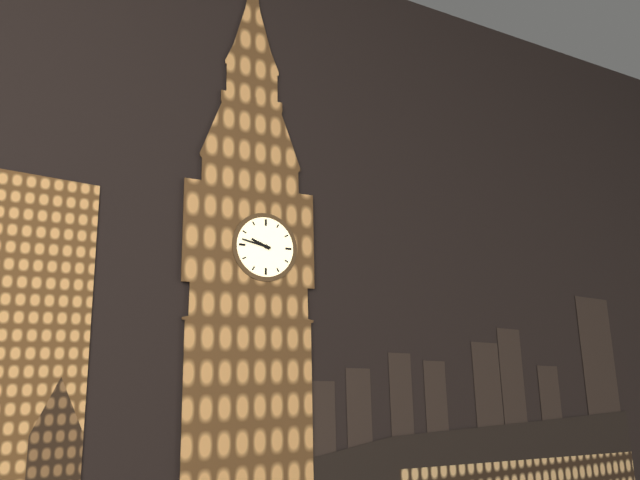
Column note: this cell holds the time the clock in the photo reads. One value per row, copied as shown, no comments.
9:47
